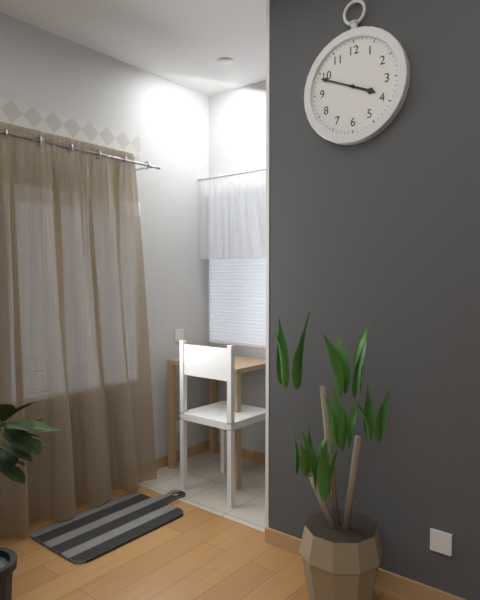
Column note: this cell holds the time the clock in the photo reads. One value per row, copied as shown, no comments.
3:49
